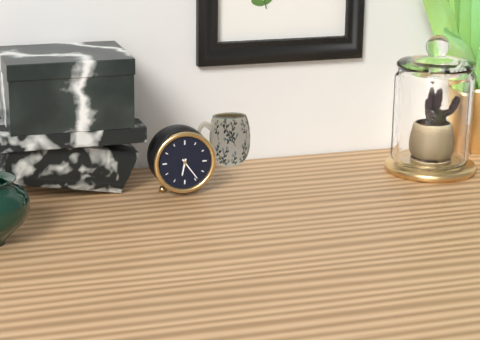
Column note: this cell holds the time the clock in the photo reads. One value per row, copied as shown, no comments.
6:24
